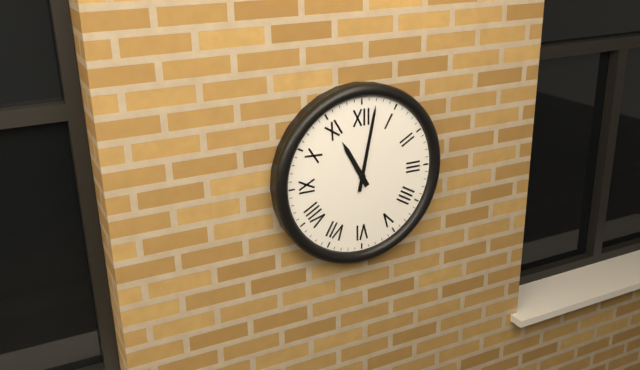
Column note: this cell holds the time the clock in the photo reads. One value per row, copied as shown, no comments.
11:02
